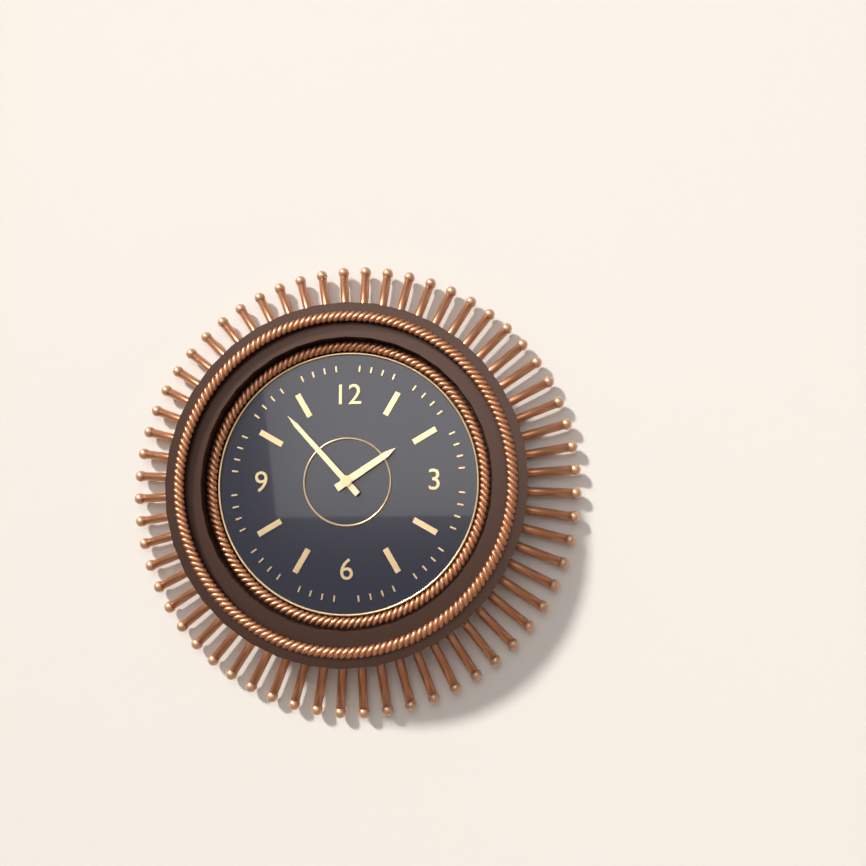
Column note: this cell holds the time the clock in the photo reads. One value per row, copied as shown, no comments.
1:53
